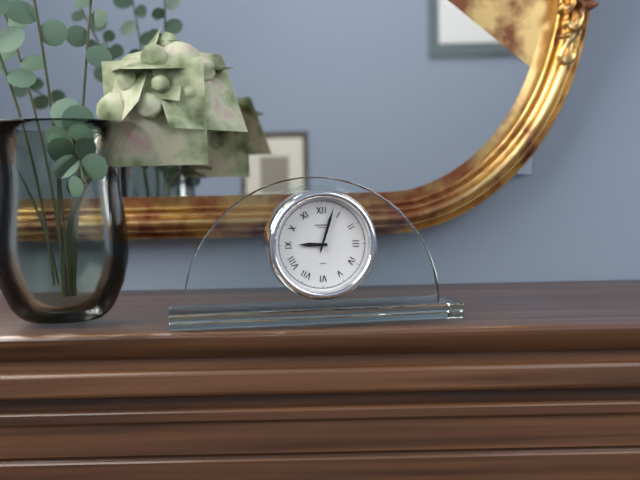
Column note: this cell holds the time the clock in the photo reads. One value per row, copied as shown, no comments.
9:03
